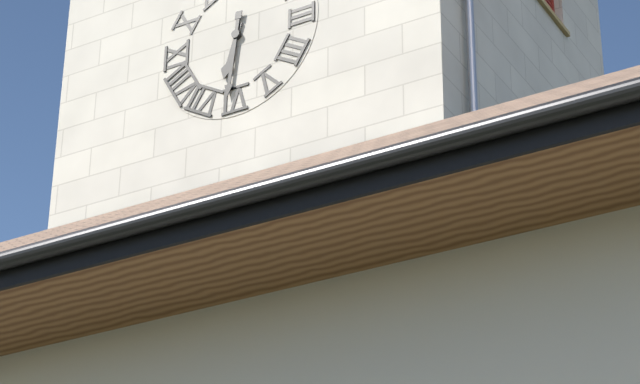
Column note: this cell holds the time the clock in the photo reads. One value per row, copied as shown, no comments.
6:31
